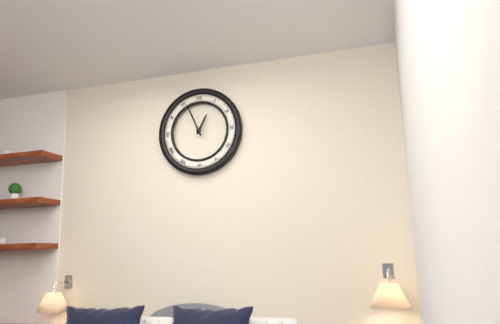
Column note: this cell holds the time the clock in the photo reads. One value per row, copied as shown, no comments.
12:56
